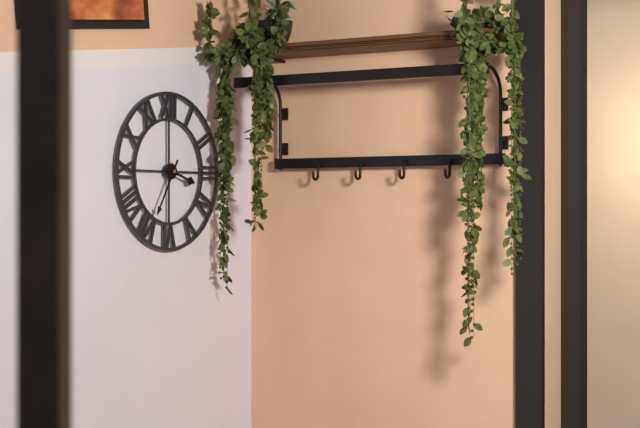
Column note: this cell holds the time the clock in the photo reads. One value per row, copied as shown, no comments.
3:35
